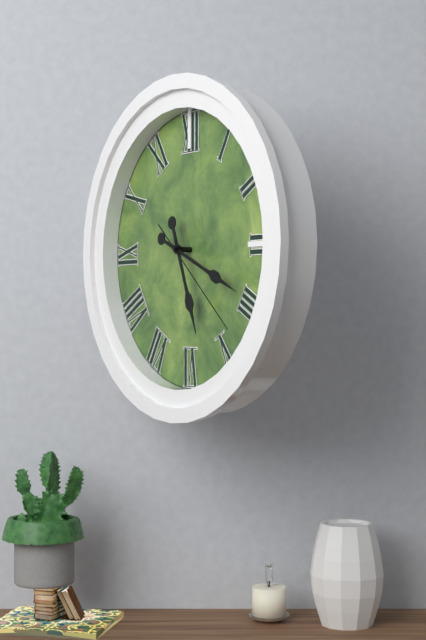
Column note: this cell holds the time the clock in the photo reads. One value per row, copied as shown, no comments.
5:19:22
